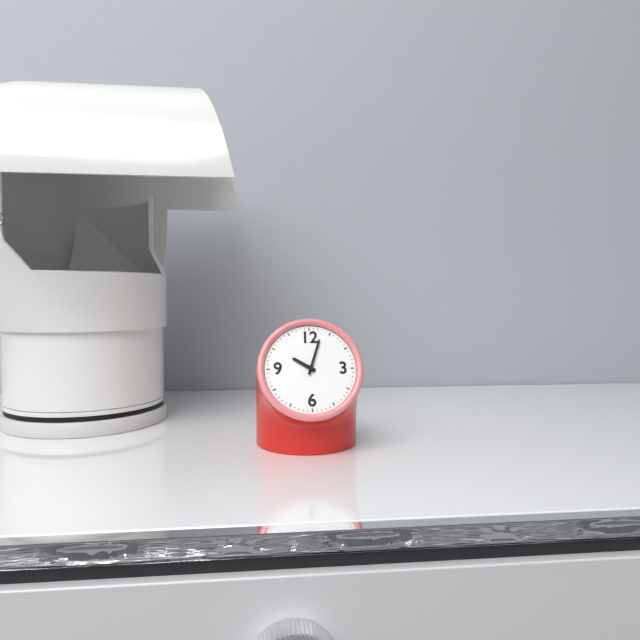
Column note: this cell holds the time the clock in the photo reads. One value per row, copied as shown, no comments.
10:03
